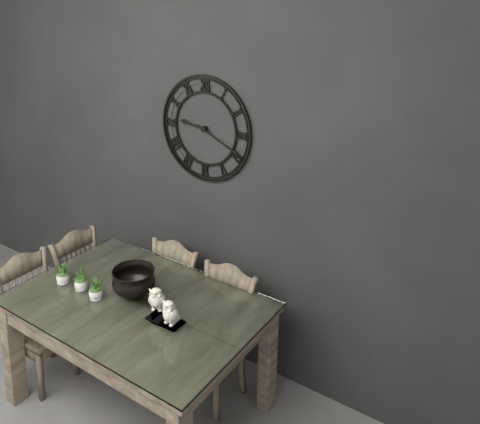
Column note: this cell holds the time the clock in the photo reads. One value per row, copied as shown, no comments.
9:19
